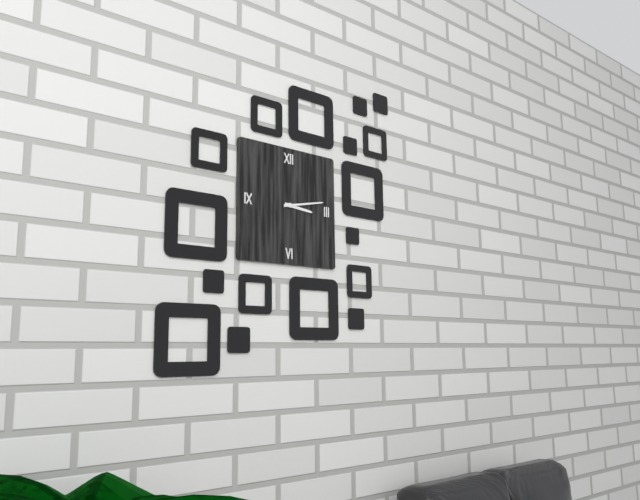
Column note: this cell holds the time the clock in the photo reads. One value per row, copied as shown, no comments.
3:13
